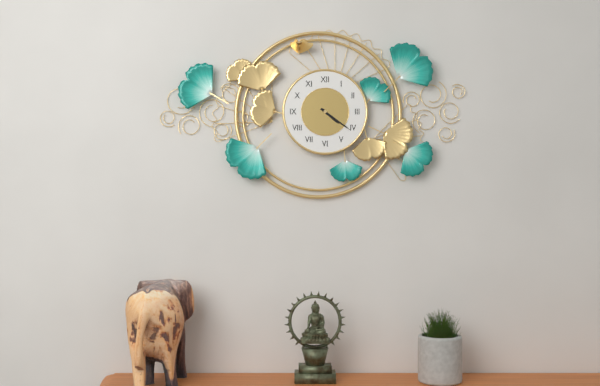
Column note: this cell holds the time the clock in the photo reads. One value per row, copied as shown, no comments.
4:21
